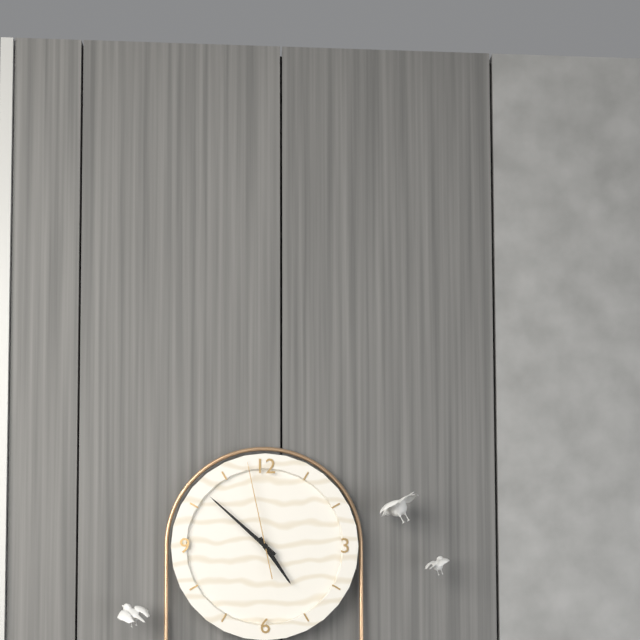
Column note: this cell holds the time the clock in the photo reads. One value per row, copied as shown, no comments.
4:52:58
